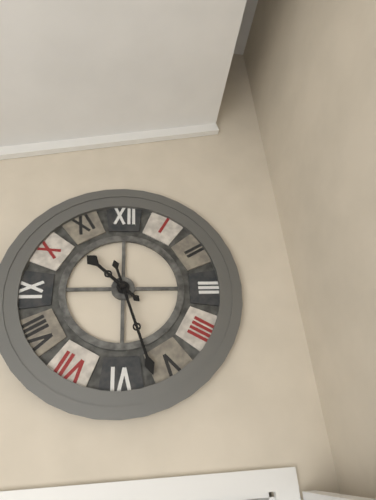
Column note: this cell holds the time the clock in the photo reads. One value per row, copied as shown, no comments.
10:27
